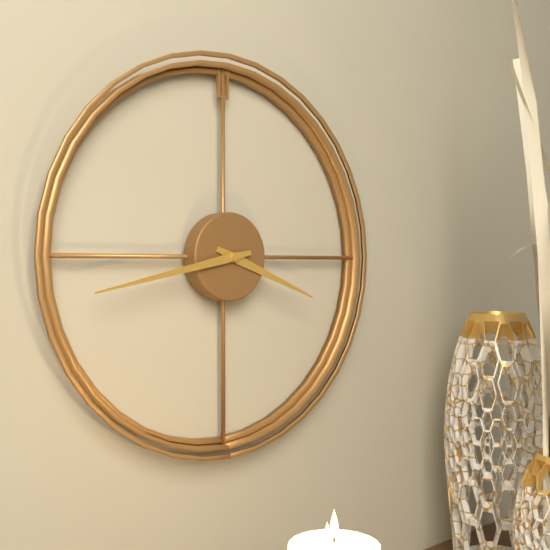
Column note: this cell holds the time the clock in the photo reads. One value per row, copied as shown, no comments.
3:43
